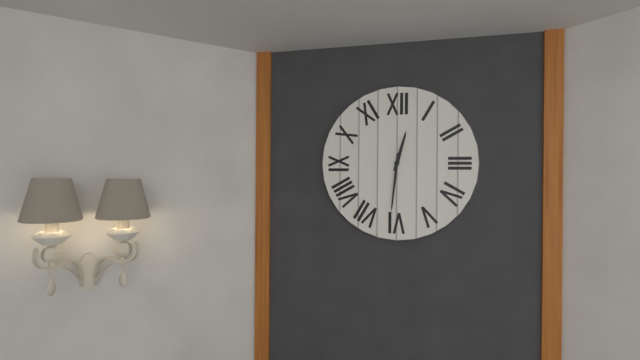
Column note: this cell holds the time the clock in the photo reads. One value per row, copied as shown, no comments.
12:31
